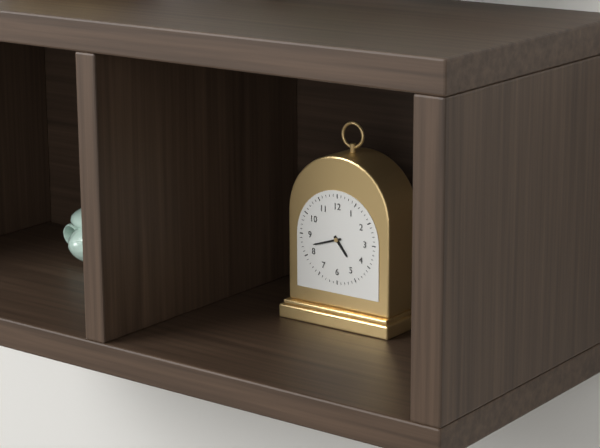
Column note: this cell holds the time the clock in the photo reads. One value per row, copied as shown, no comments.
4:42
